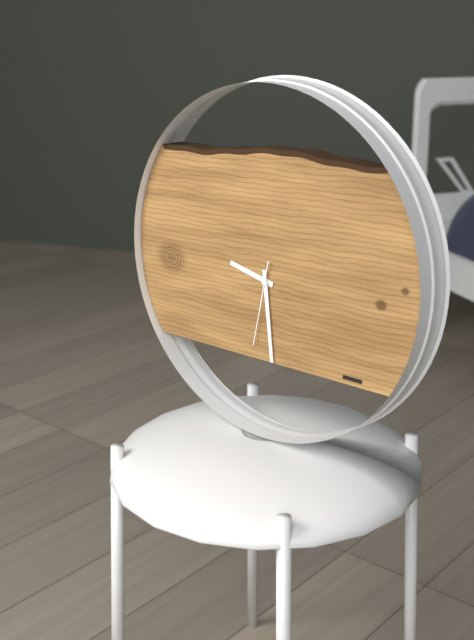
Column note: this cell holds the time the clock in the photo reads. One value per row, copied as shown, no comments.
9:29:32
